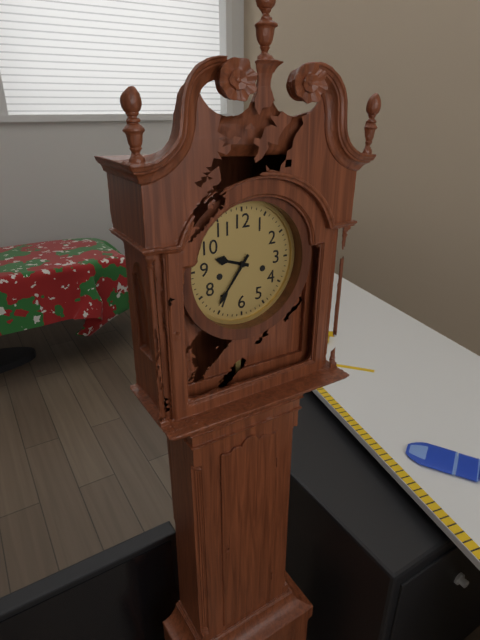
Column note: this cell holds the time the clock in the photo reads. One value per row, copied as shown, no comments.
9:36
